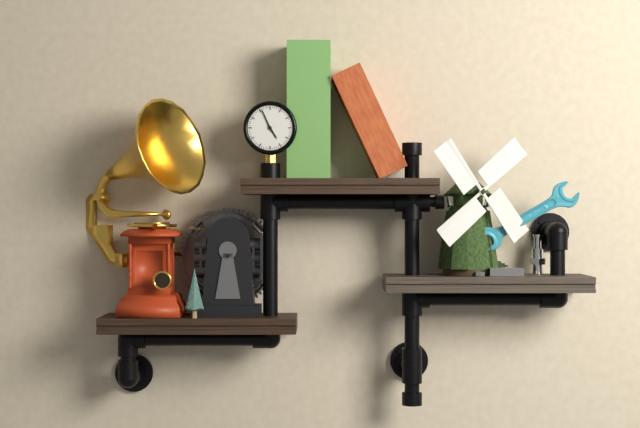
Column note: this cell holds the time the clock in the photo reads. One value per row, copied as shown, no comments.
4:56
